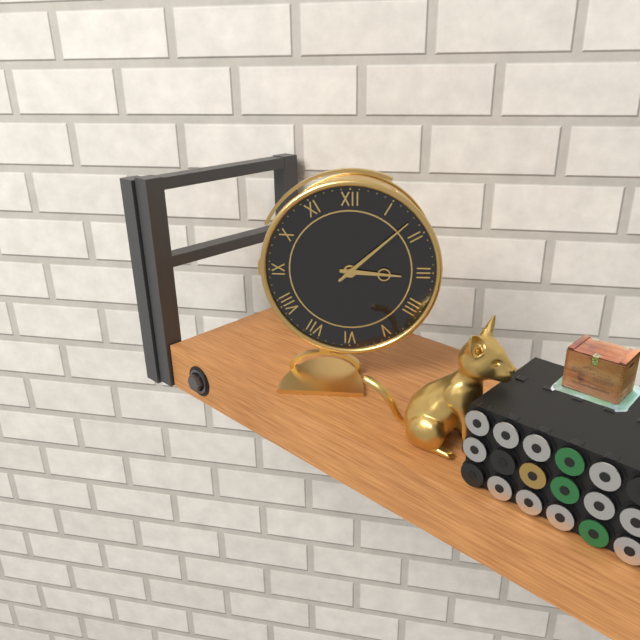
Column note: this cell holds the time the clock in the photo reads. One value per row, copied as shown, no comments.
3:08
